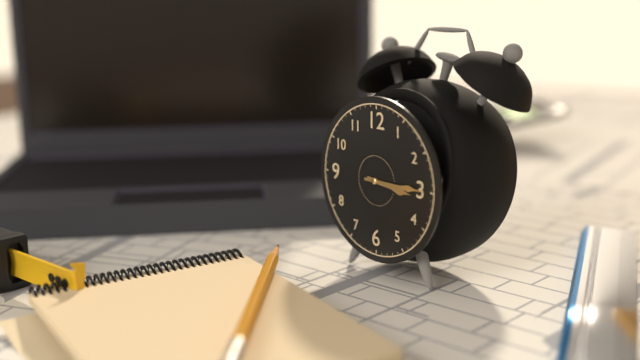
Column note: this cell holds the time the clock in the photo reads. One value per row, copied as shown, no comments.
3:15
